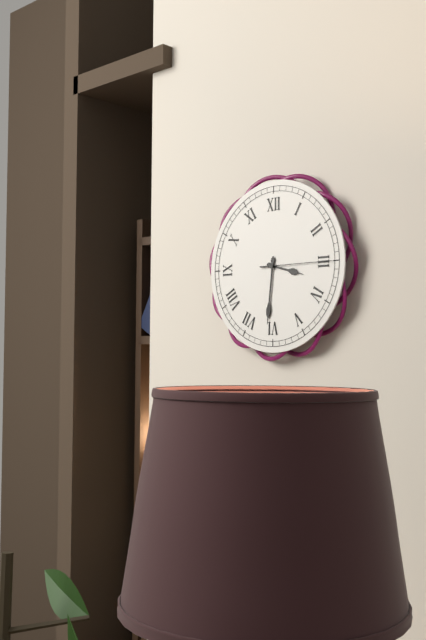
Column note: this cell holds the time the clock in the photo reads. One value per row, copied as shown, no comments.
3:31:15
